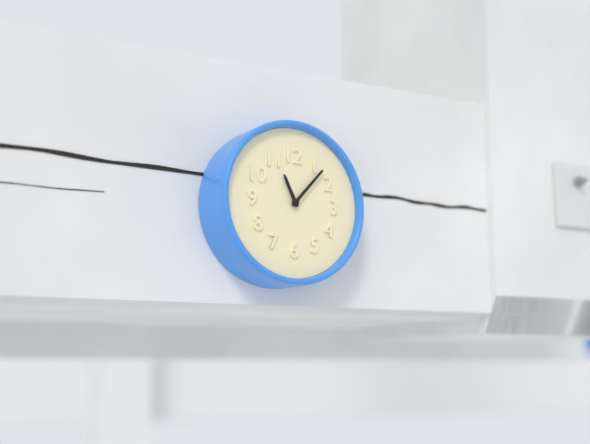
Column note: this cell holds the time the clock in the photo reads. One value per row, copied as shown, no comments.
11:07
